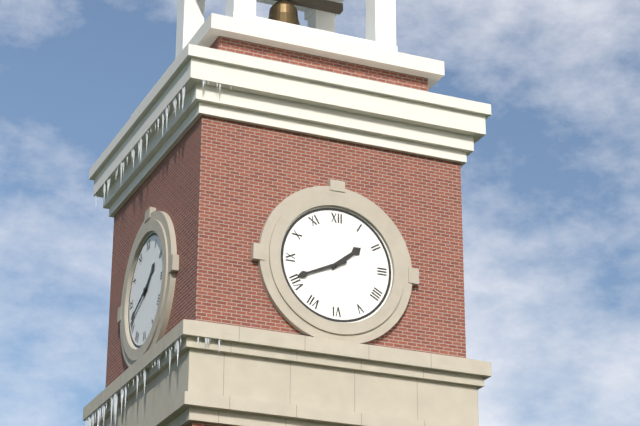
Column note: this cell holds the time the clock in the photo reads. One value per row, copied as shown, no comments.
1:41
